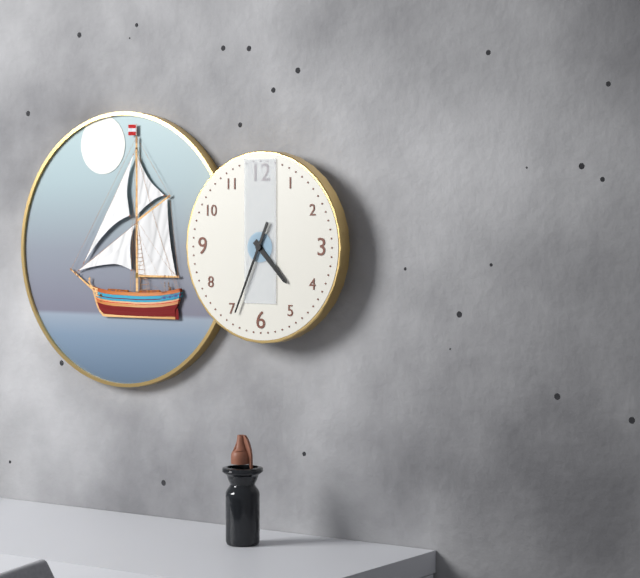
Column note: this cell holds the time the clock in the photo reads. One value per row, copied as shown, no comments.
4:34
